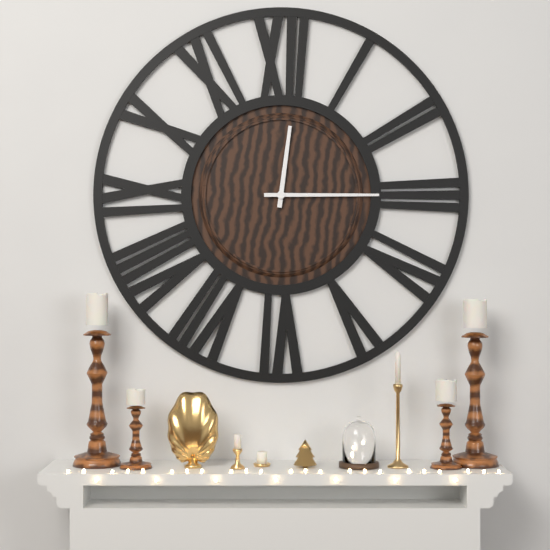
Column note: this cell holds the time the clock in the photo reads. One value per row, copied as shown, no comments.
12:15
